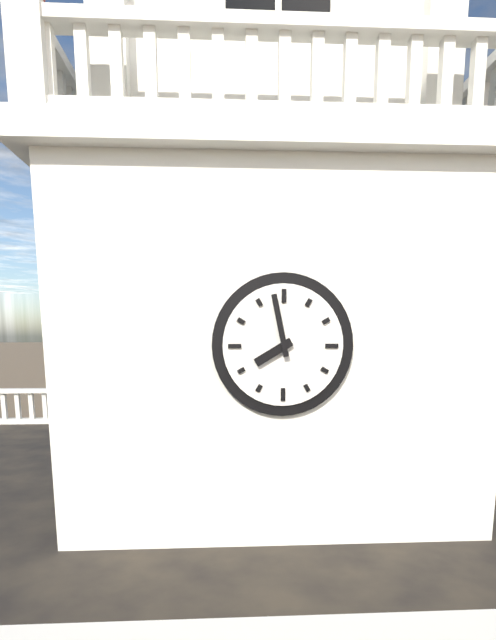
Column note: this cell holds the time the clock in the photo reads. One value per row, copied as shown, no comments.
7:58
